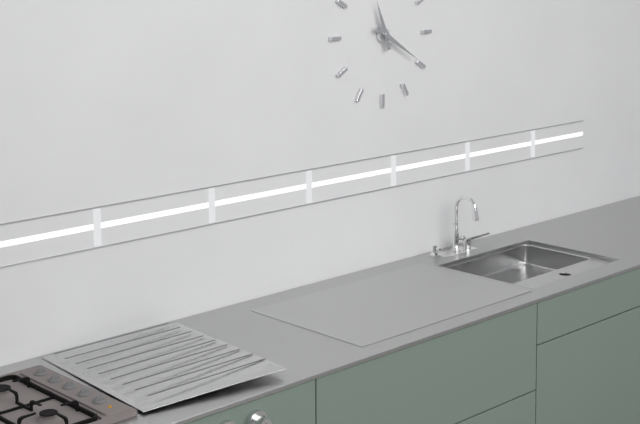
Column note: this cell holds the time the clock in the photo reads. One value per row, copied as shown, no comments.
11:20
